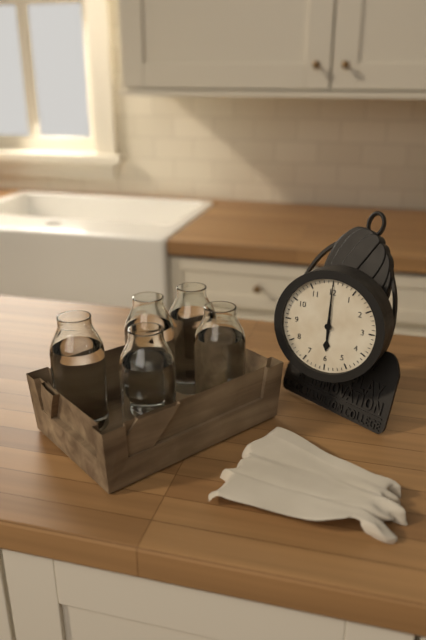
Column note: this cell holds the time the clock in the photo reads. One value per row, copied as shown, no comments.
6:00
